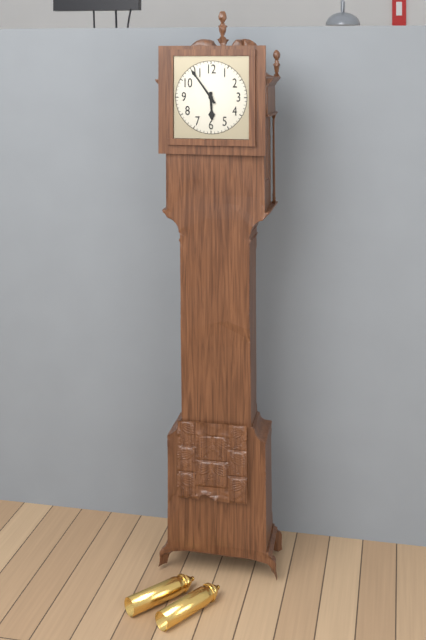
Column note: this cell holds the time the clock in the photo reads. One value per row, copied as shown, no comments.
5:54
